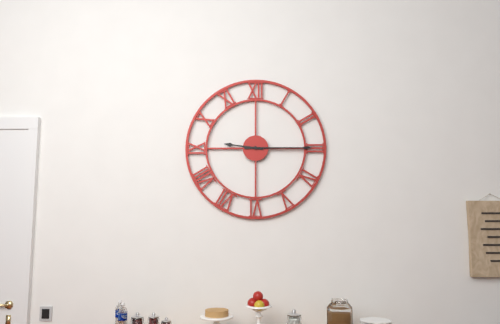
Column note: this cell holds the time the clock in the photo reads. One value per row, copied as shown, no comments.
9:15
